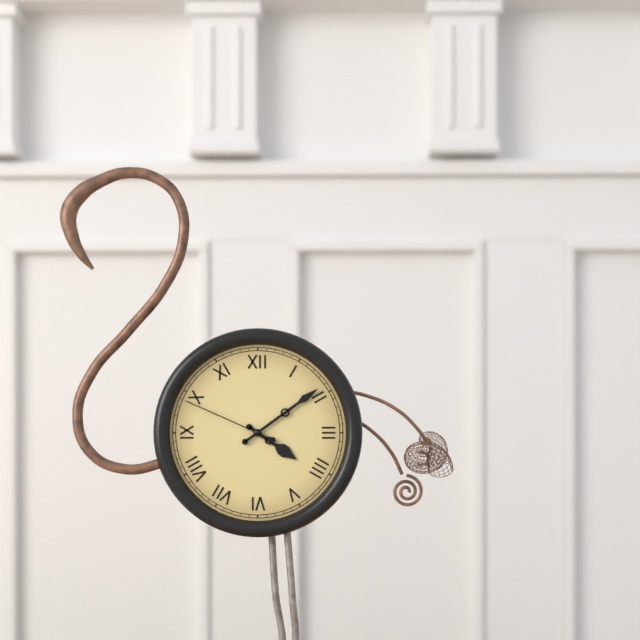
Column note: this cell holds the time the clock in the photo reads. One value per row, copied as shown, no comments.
4:09:49
